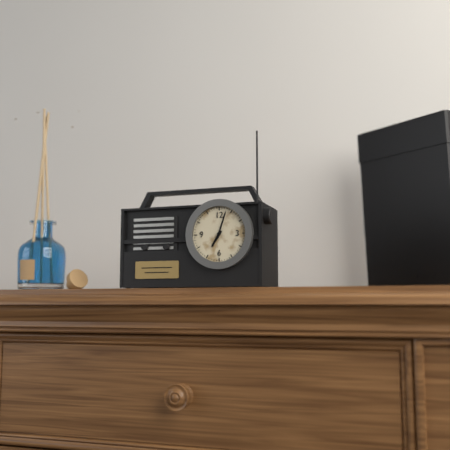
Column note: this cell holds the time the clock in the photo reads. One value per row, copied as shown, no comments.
7:03
